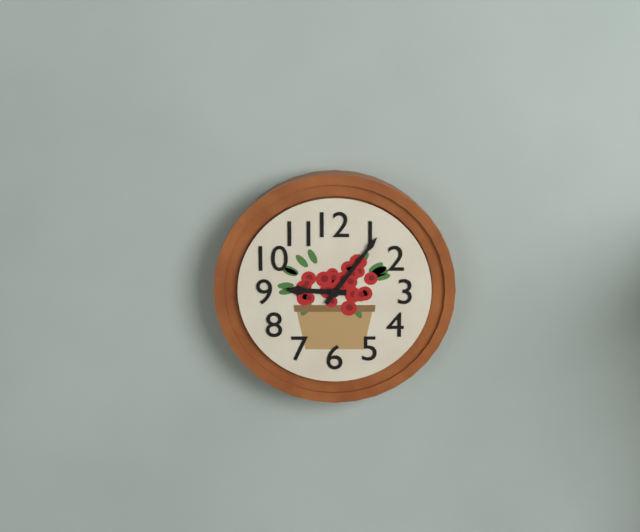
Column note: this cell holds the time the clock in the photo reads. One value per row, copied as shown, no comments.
9:06
